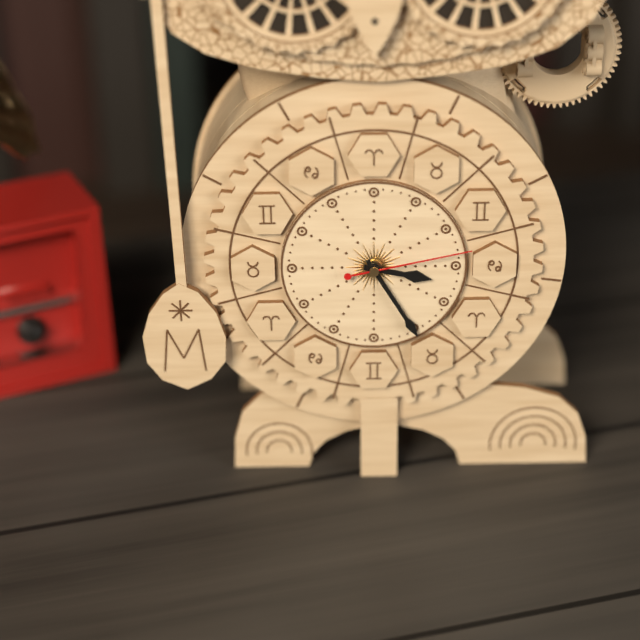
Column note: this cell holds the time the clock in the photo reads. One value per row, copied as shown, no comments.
3:25:13
